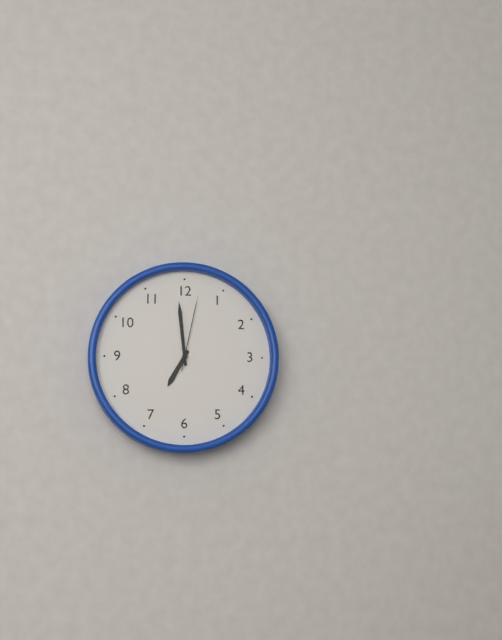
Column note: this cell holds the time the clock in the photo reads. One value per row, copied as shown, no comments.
6:59:02
